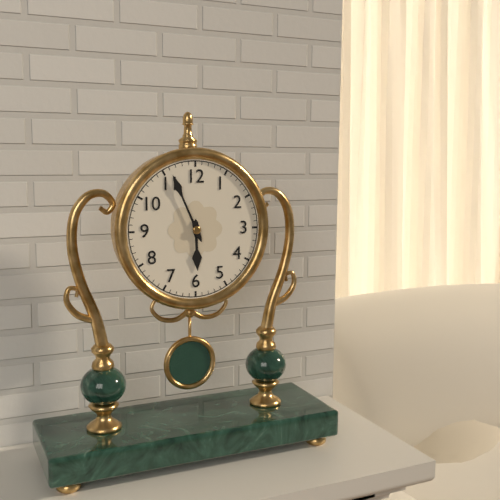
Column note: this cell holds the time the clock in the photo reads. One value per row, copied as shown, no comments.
5:56
